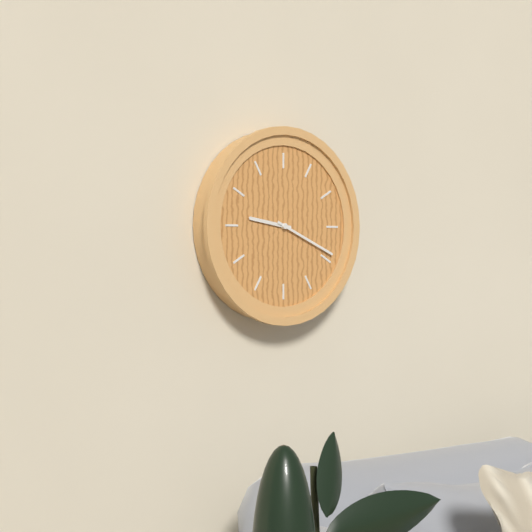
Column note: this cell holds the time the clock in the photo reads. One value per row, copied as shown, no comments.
9:19
